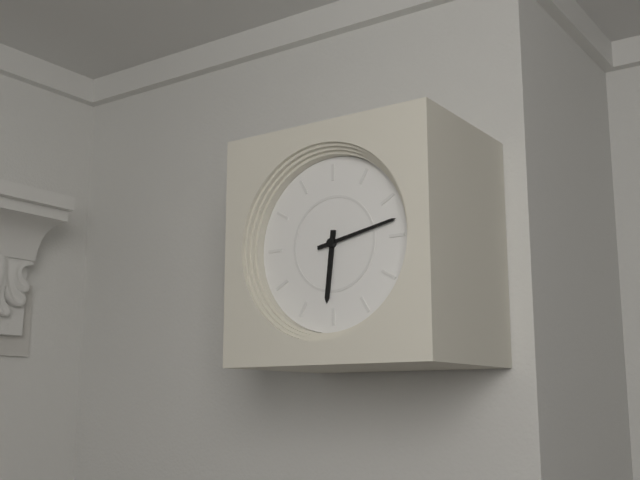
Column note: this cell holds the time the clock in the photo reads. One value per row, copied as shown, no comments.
6:13
